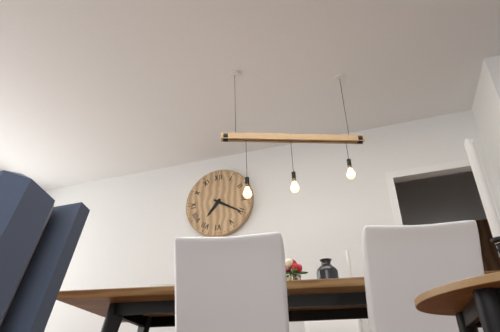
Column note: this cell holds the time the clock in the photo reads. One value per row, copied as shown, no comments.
7:20
